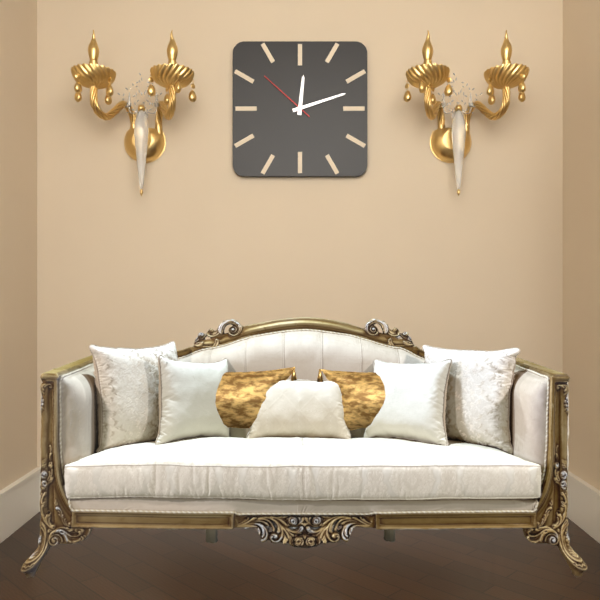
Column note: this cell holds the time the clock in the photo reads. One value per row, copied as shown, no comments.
12:12:52
